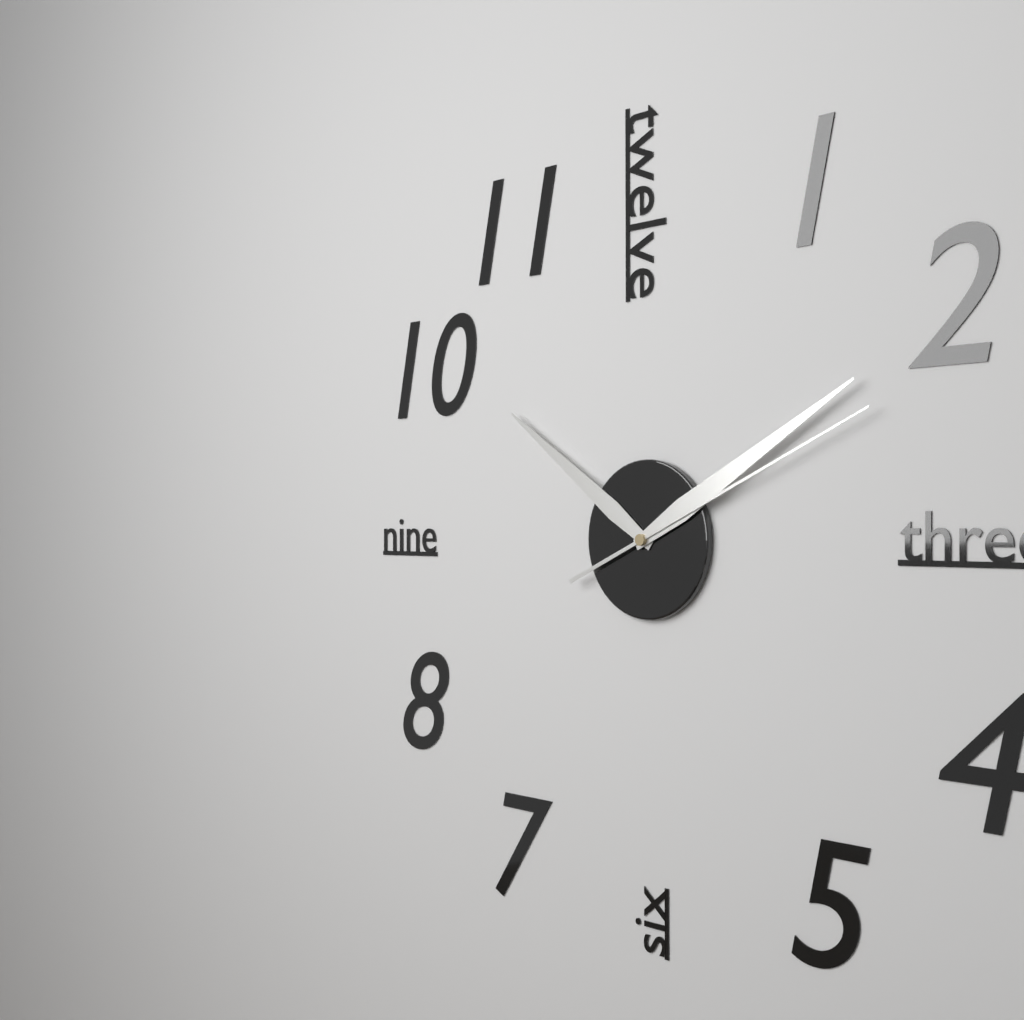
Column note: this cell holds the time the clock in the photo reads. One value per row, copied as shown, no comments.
10:10:11
